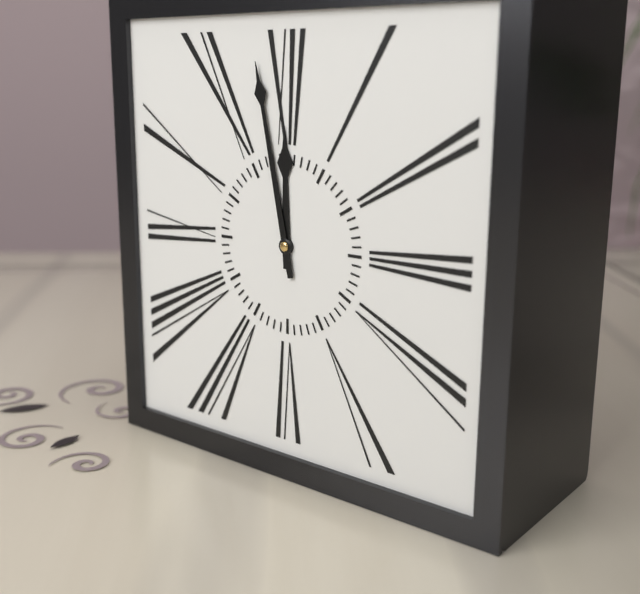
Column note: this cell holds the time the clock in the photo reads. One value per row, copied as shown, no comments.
11:58
